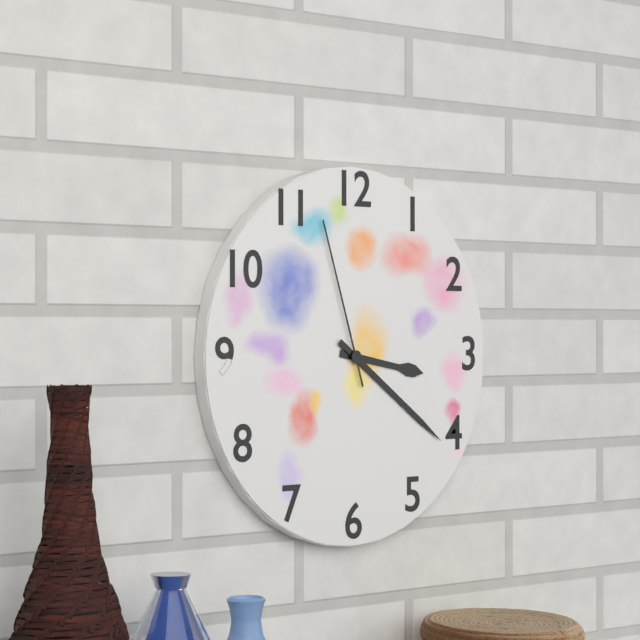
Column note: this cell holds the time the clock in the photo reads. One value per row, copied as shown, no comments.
3:21:57
